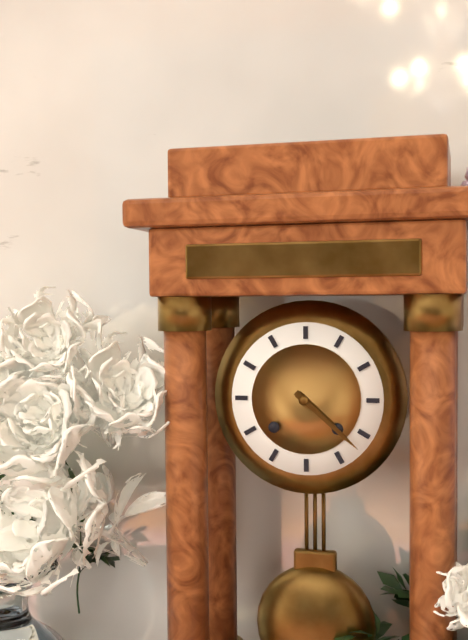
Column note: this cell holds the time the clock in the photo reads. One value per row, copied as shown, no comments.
4:22
